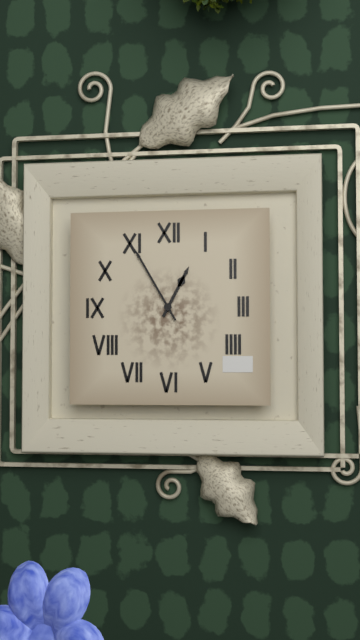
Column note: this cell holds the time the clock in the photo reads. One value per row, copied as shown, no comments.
12:55
